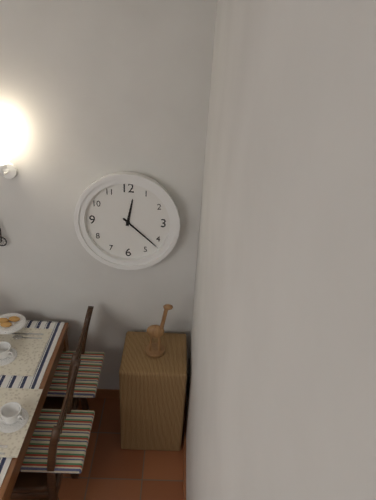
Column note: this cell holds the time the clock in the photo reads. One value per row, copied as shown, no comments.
12:22
